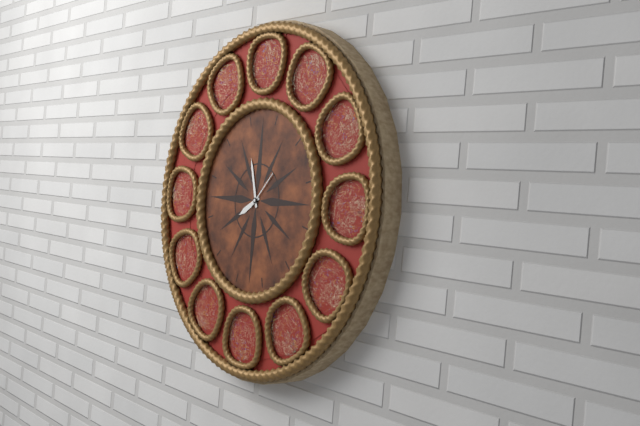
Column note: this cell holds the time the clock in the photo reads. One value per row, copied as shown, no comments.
7:57
